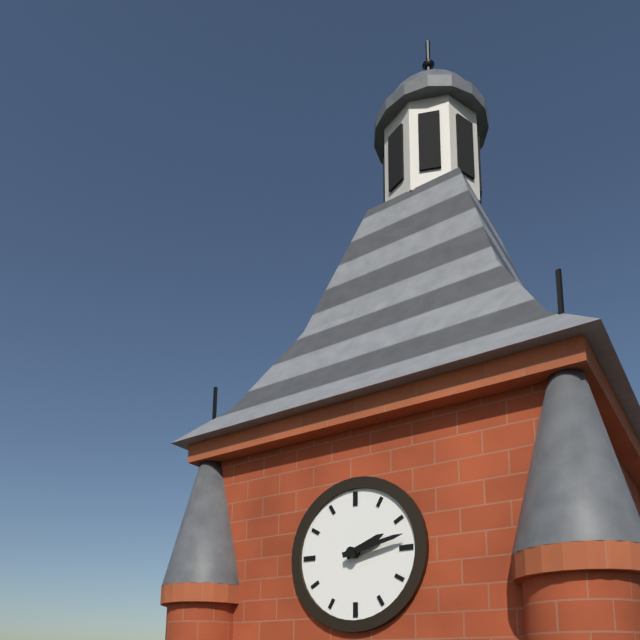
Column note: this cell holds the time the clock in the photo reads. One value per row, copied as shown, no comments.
2:13
